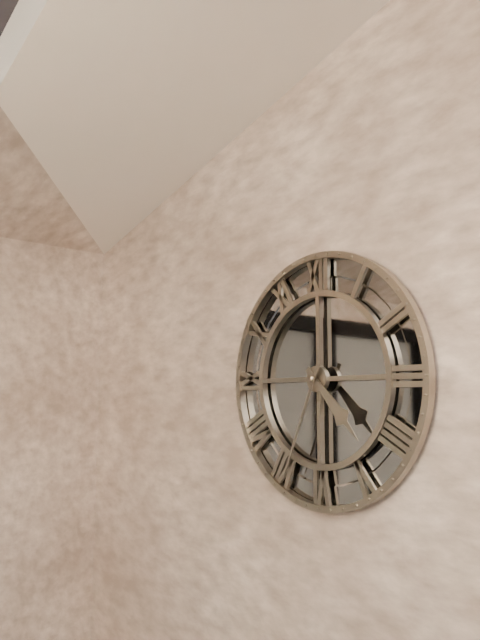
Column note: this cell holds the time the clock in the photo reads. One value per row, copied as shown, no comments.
4:34
